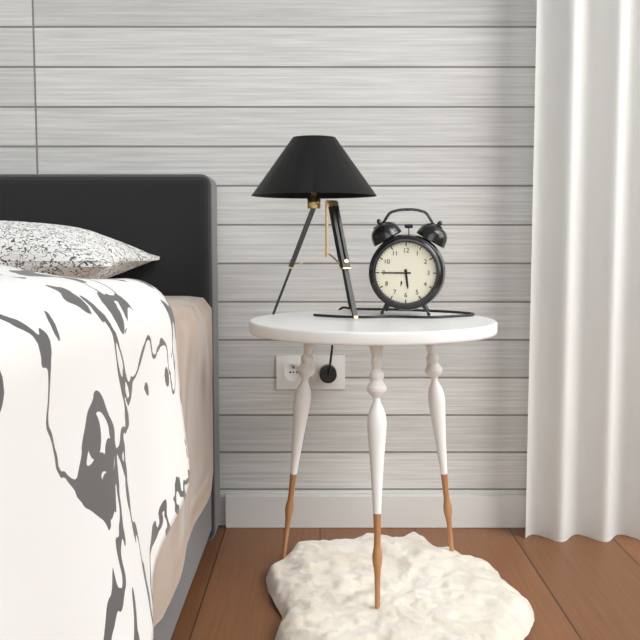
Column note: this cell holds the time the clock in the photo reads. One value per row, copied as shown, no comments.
5:45
